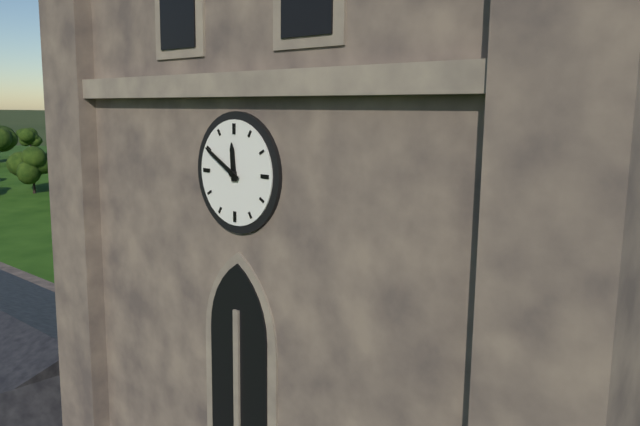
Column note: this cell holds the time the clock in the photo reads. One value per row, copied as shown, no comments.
11:50
